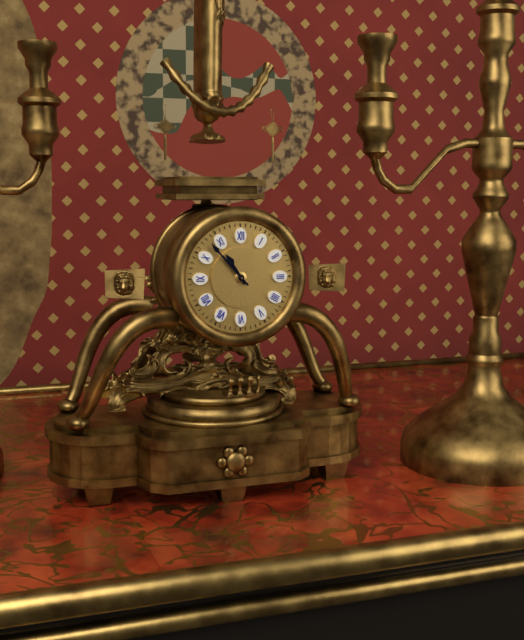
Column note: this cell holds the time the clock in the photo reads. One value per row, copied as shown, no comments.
10:53
